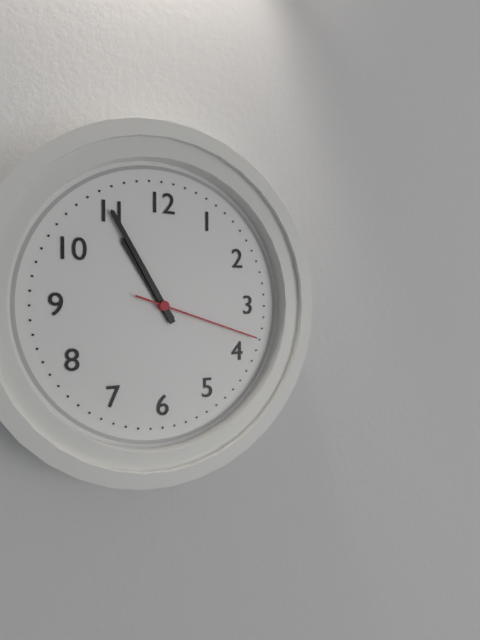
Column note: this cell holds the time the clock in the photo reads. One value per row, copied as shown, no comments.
10:55:18
